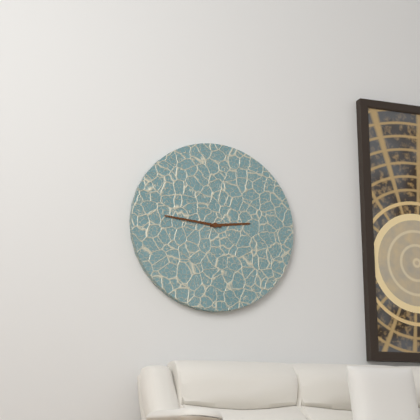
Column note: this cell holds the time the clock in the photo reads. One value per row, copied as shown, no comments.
2:46
